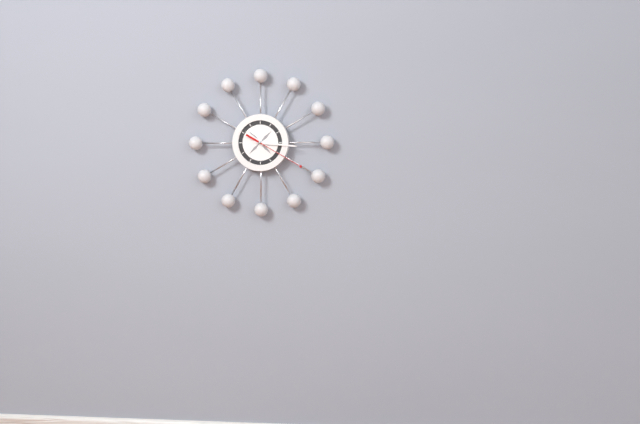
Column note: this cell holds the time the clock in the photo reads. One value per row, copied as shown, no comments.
10:16:20
